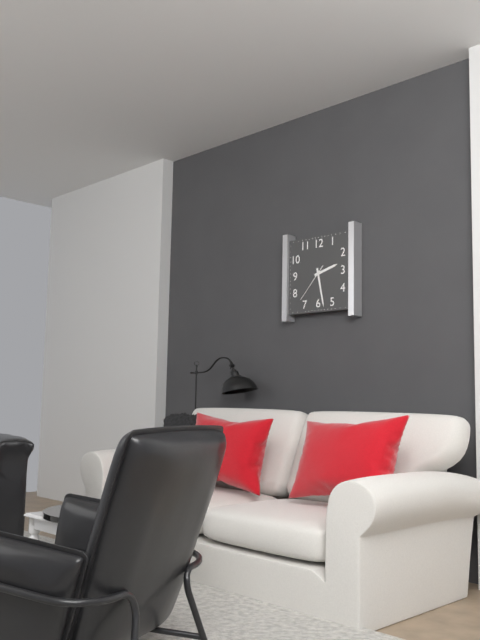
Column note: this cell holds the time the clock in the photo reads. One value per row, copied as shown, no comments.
2:28
